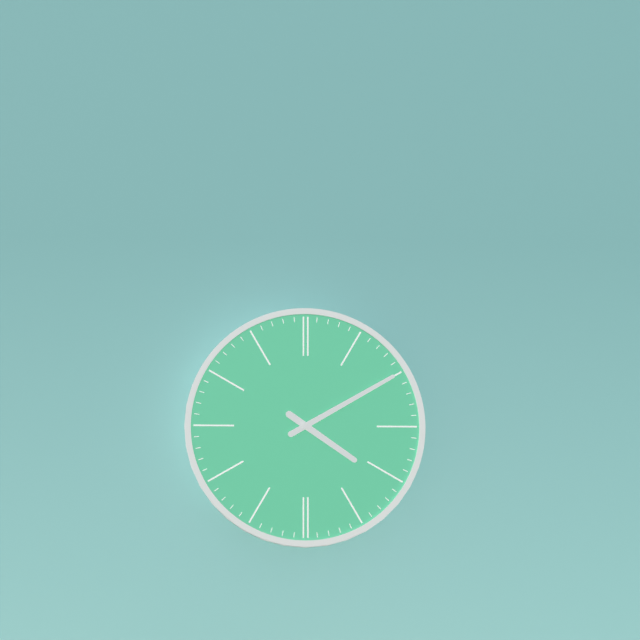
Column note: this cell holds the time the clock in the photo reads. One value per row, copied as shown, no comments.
4:10
